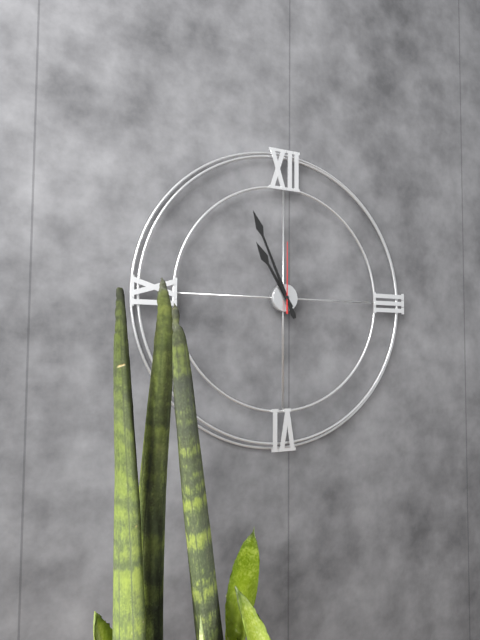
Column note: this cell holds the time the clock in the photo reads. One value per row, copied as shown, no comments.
10:56:00
